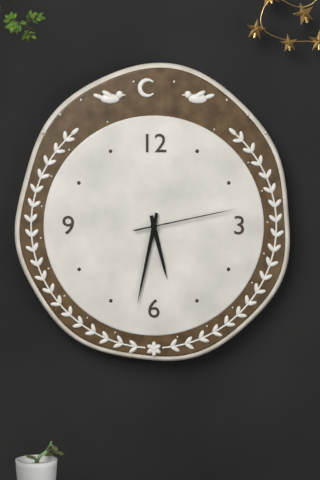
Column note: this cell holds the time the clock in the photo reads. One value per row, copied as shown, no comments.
5:32:13
